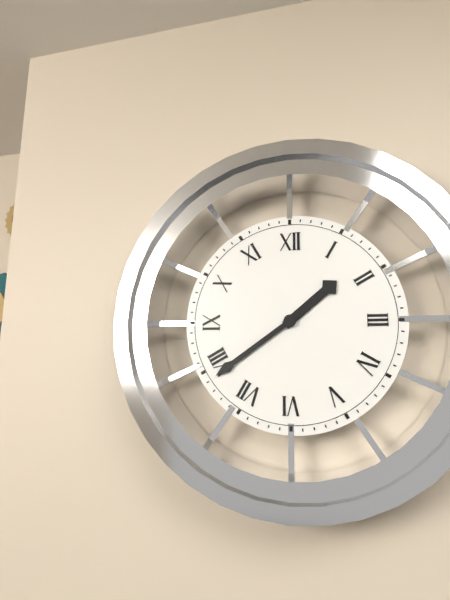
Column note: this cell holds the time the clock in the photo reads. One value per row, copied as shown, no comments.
1:39
